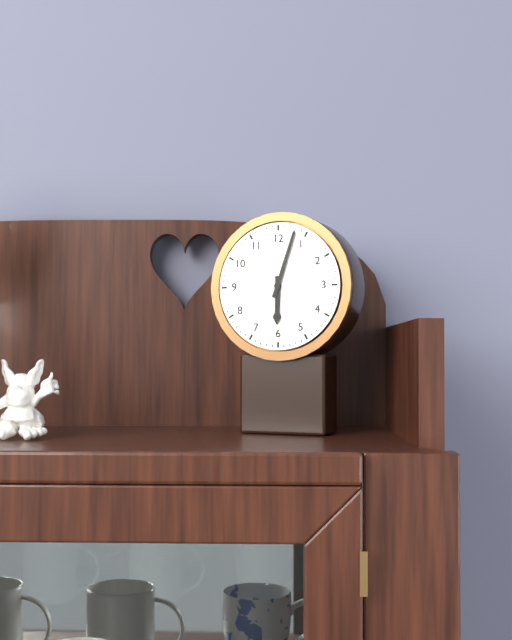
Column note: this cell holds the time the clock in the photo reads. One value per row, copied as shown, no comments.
6:03
